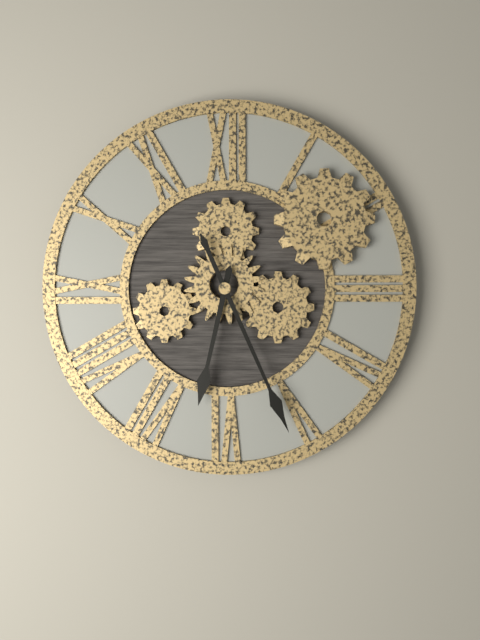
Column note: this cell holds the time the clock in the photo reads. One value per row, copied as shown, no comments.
6:26
